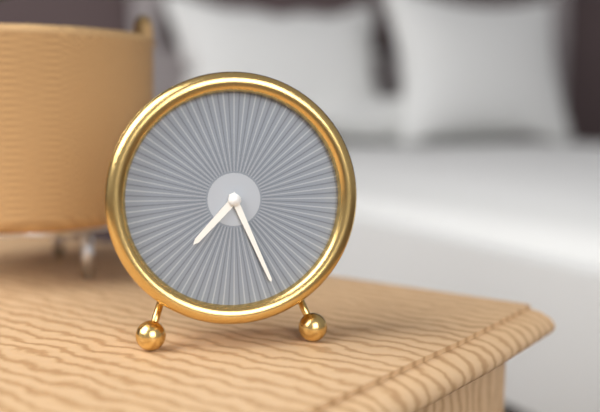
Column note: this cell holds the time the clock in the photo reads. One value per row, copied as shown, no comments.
7:26
